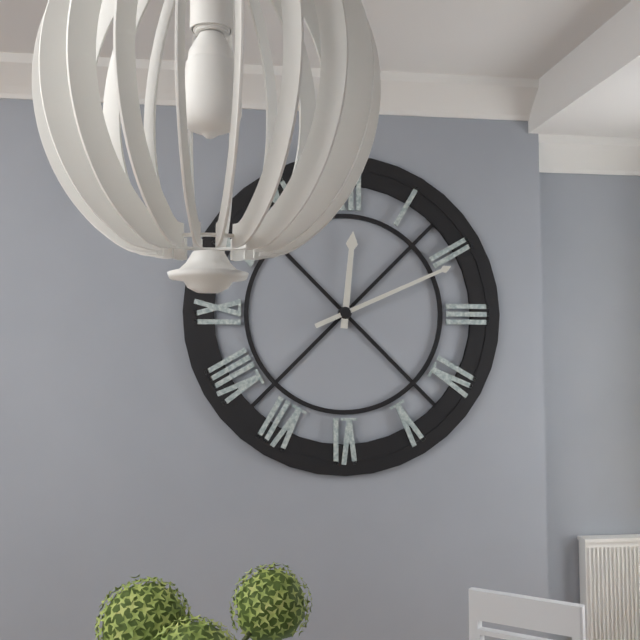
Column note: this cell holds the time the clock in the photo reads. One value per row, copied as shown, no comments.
12:11
